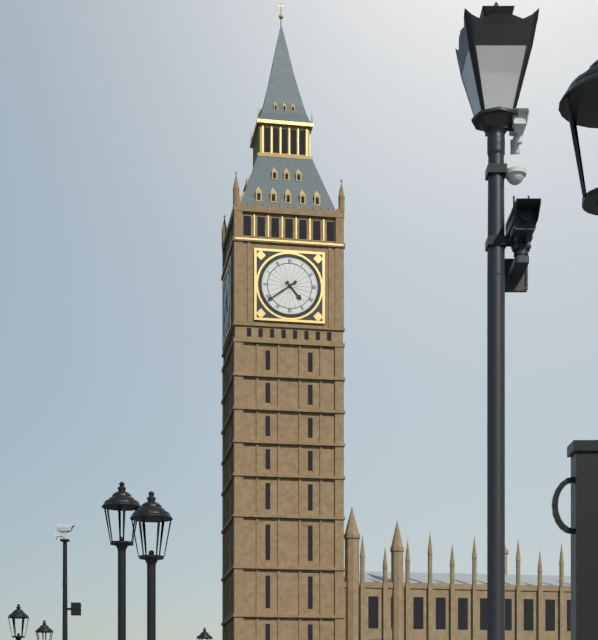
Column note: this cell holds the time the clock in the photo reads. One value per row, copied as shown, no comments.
4:39
